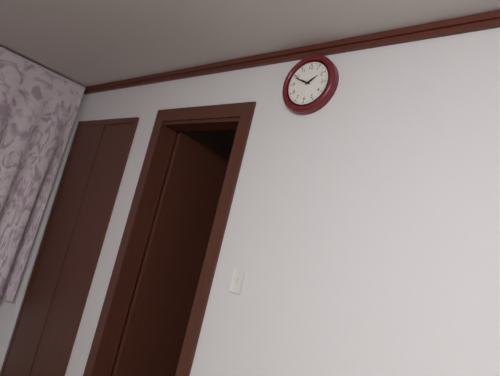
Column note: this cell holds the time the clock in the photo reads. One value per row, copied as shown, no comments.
1:49
